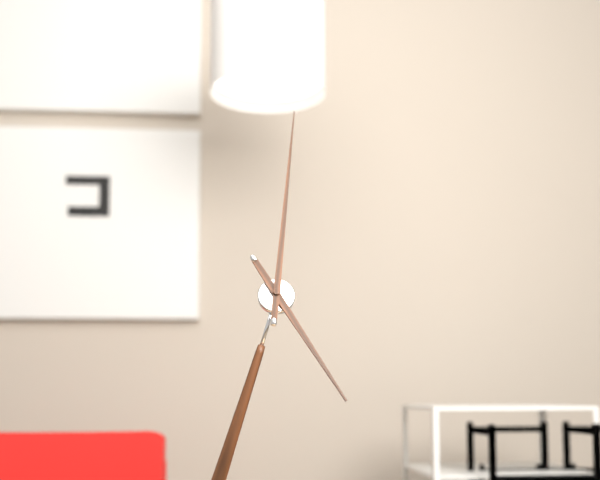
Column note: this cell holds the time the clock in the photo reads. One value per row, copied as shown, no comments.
5:01
